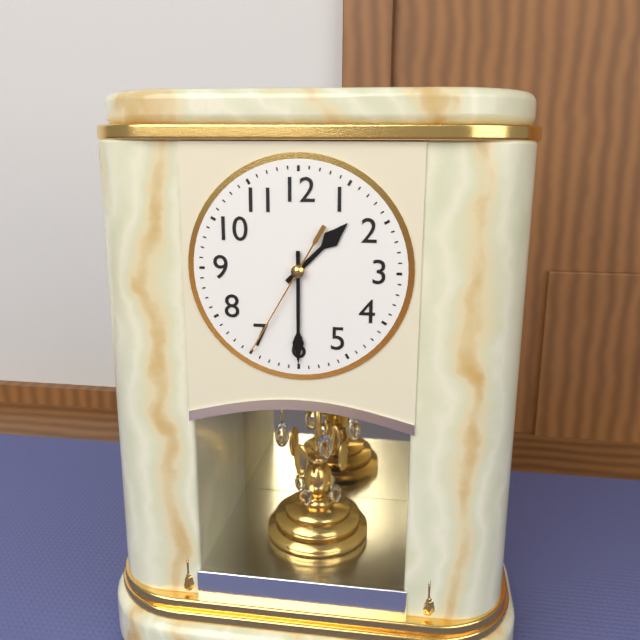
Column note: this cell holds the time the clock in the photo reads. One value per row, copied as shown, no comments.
1:30:35
